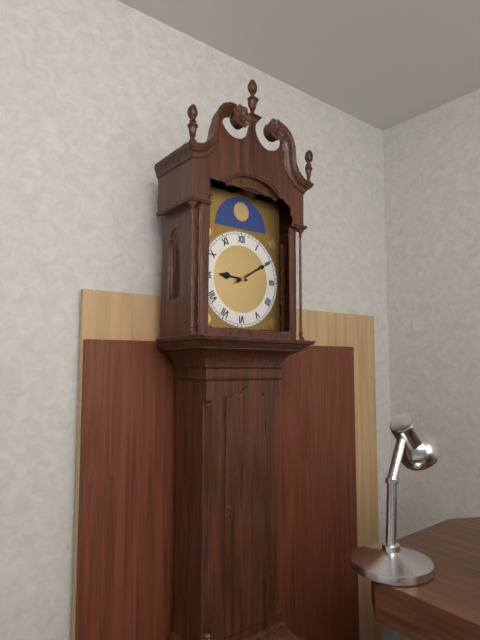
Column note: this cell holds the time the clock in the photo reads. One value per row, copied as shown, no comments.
9:10
